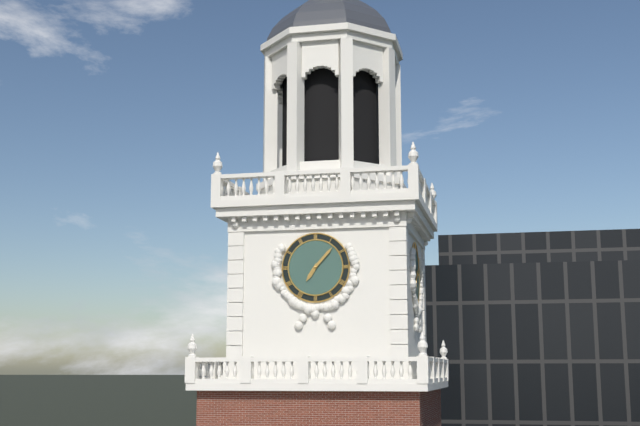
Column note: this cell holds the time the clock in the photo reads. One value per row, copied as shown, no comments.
7:07
